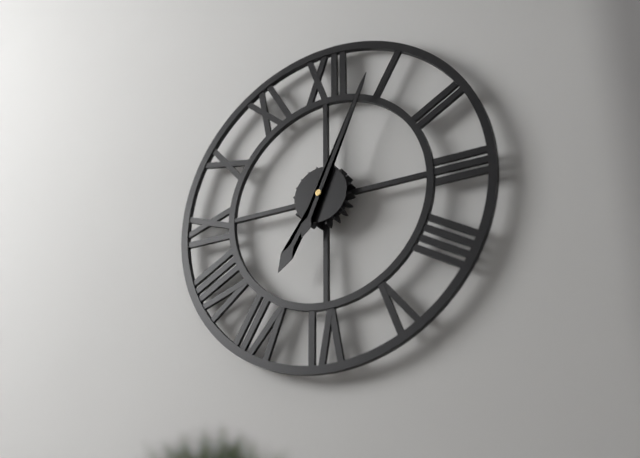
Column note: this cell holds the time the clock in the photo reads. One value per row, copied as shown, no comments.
7:04
